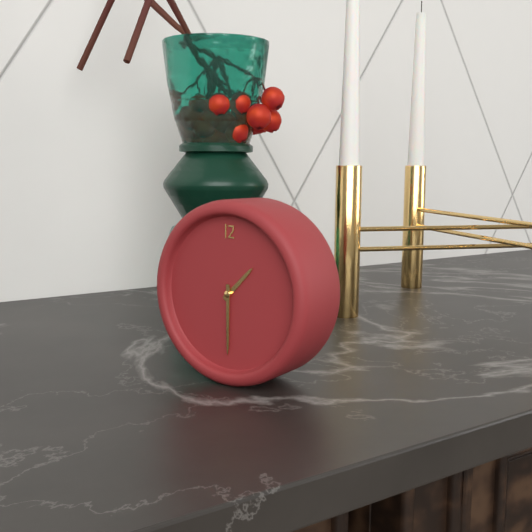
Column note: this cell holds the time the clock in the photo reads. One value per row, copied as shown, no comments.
1:30
